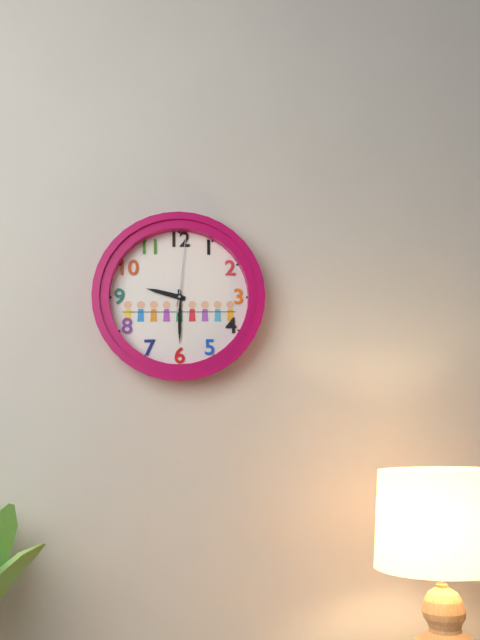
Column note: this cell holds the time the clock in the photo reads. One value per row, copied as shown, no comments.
9:30:01
